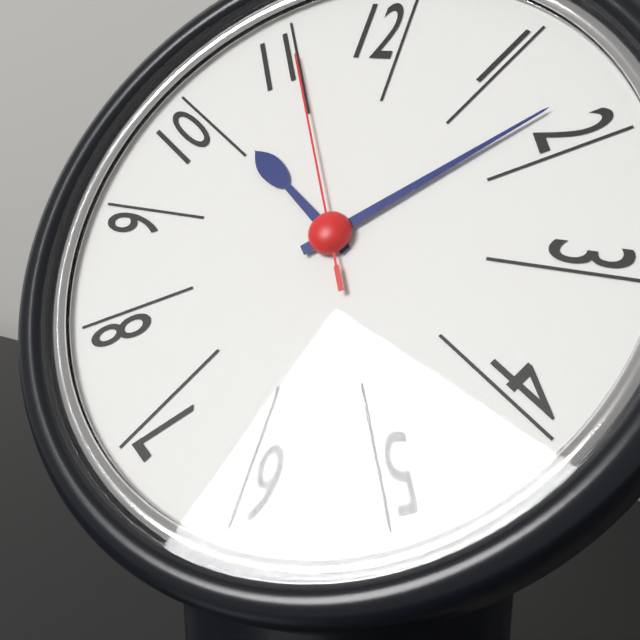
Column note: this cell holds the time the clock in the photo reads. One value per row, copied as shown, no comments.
10:08:55
